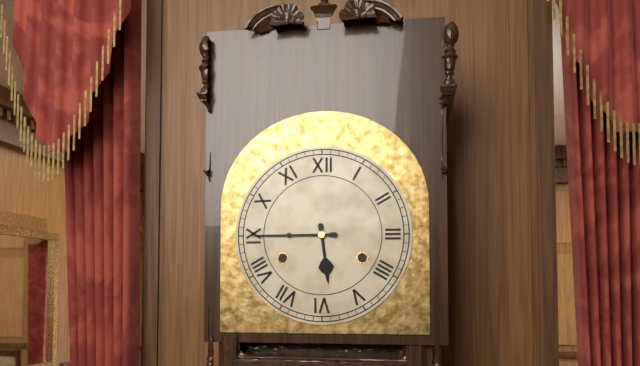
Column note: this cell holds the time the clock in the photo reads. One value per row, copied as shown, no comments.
5:45
